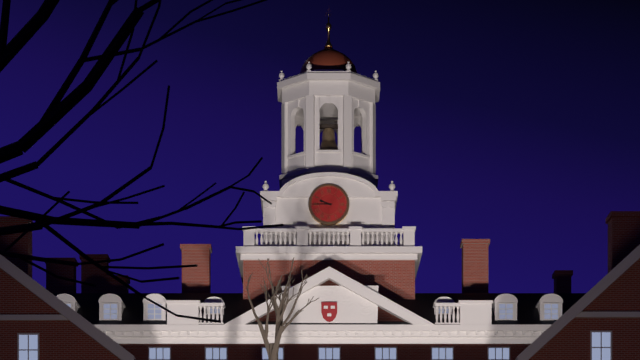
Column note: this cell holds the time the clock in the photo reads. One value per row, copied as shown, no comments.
9:45
